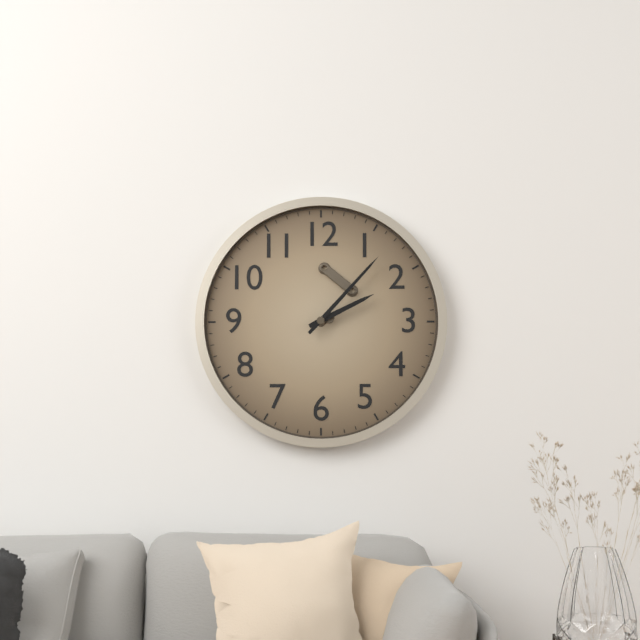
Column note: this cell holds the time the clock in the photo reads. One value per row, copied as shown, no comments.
2:07
